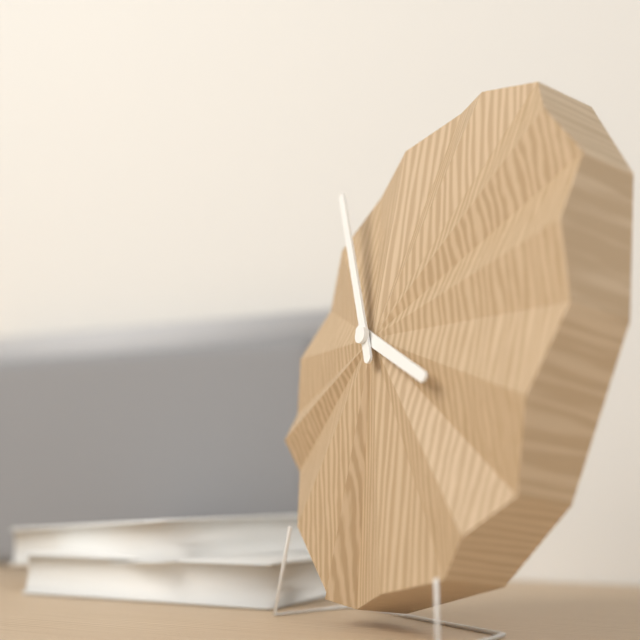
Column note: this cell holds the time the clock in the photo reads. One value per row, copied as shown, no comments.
3:56
